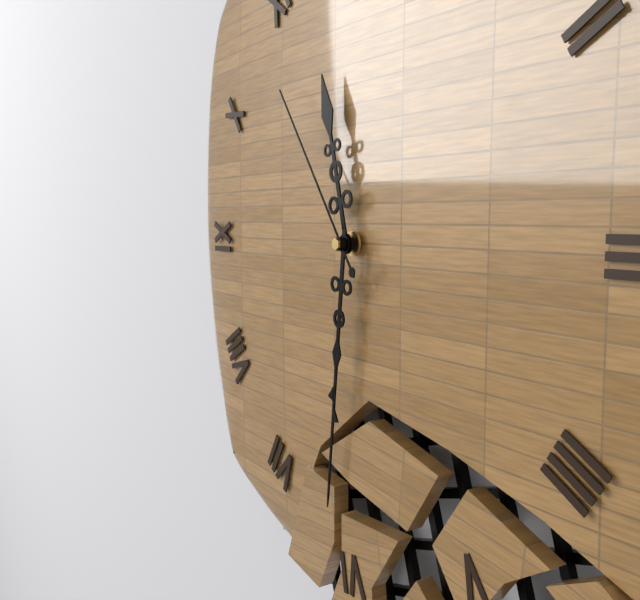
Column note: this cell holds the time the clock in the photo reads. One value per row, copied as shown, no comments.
11:31:54
